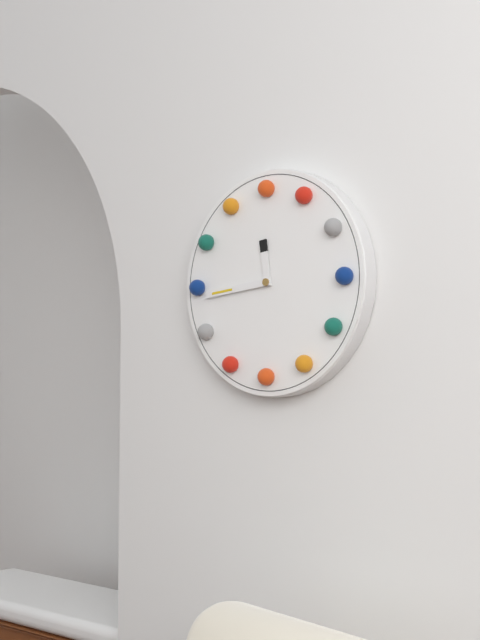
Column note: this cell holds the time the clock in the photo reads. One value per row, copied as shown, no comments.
11:44
